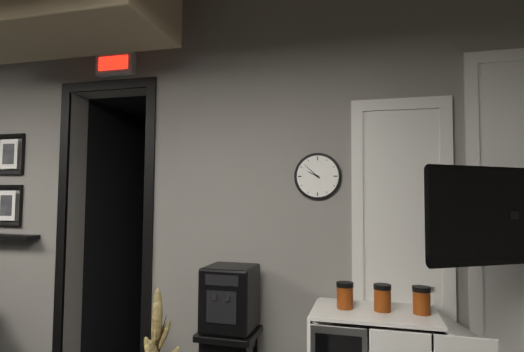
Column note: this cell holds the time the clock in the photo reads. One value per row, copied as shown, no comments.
9:52
